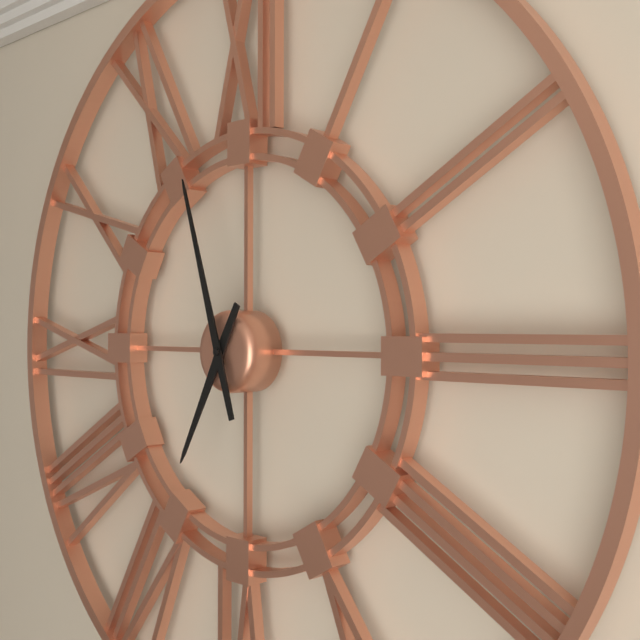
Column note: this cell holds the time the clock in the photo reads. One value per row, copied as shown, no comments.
6:57
